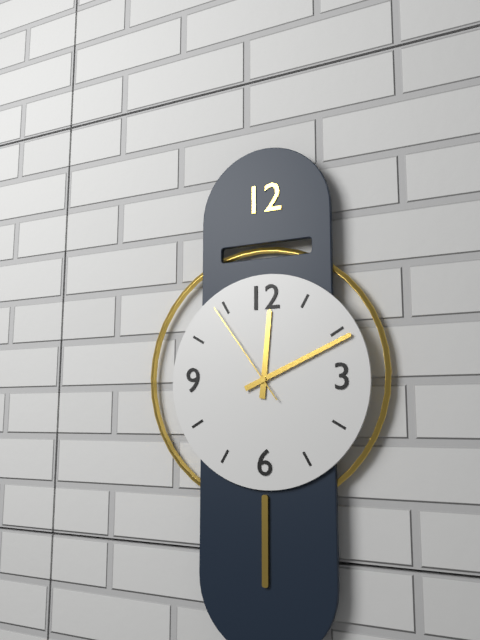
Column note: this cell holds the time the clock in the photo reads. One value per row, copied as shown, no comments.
12:11:54
